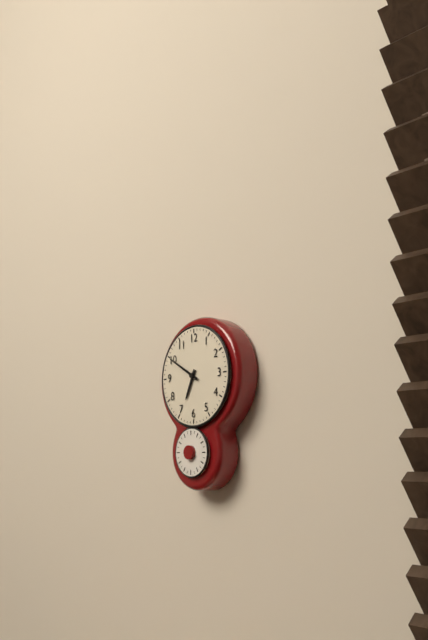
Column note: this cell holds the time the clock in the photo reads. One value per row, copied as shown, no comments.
6:50
